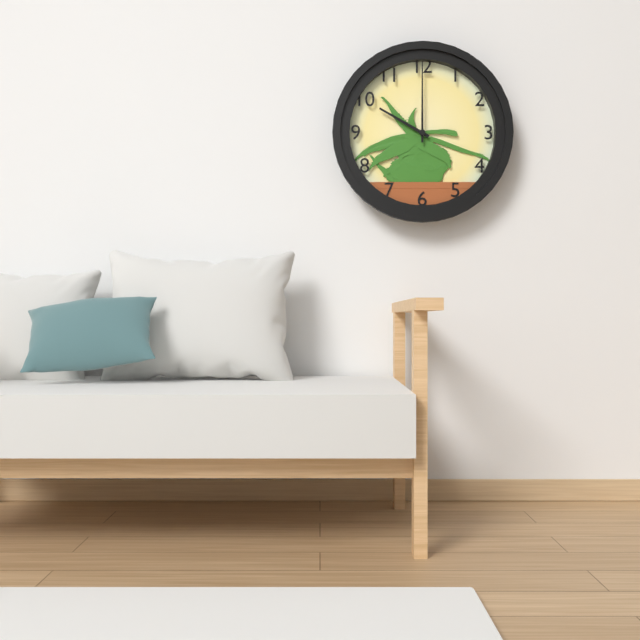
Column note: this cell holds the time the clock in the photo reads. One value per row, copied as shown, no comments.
10:00
